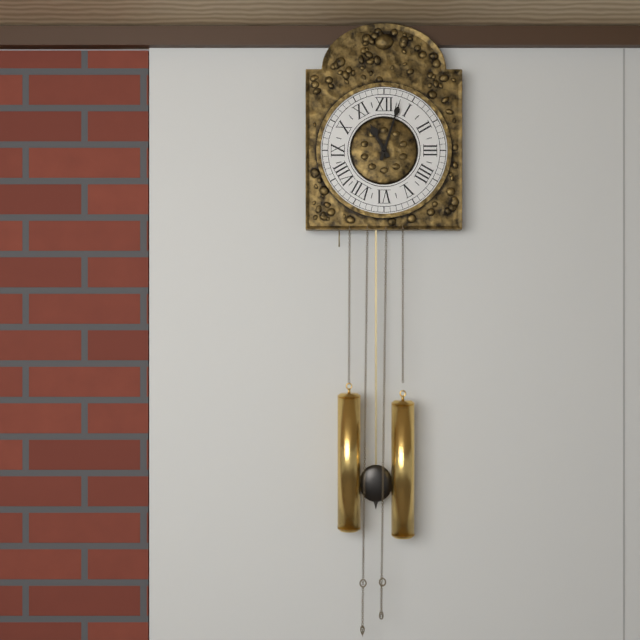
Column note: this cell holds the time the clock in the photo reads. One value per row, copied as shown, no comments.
11:03
